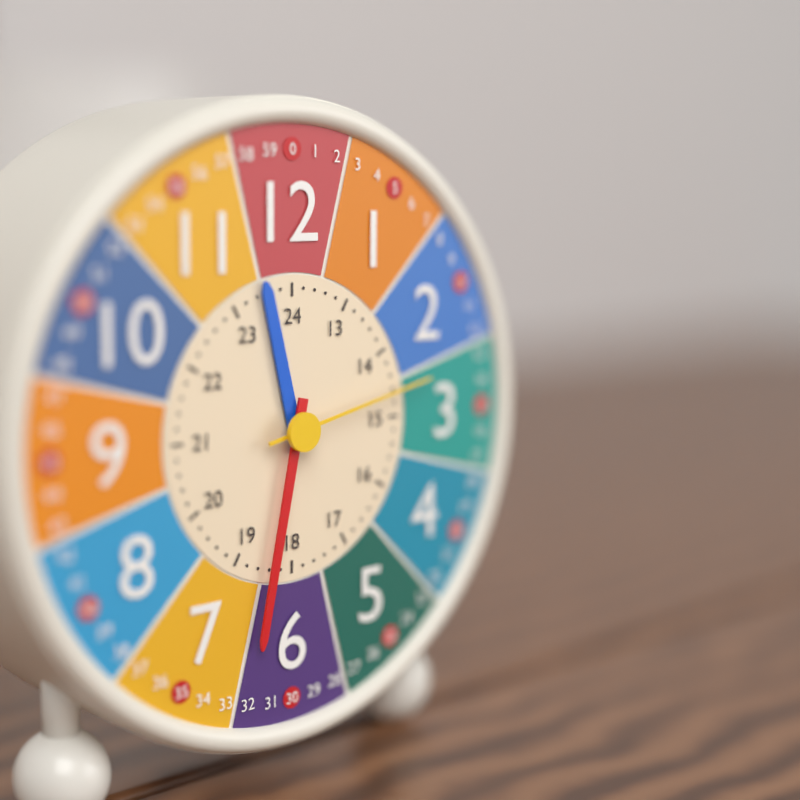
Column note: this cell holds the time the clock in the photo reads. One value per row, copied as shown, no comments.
11:32:13
